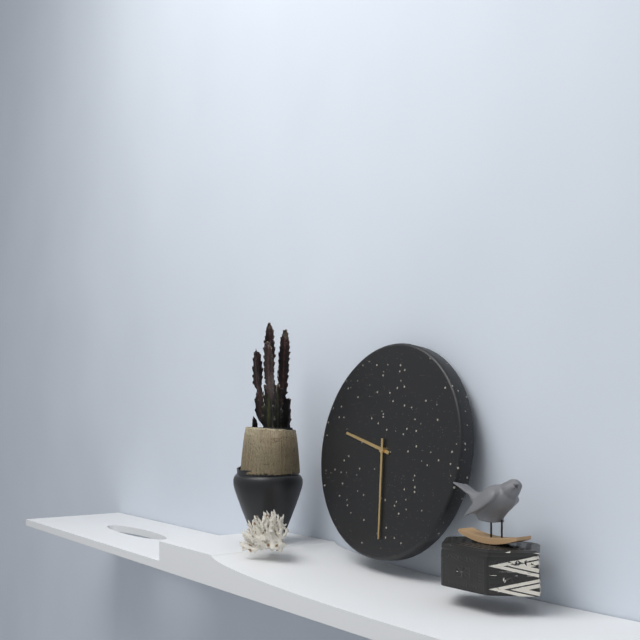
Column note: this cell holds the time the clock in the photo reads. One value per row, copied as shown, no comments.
9:29
